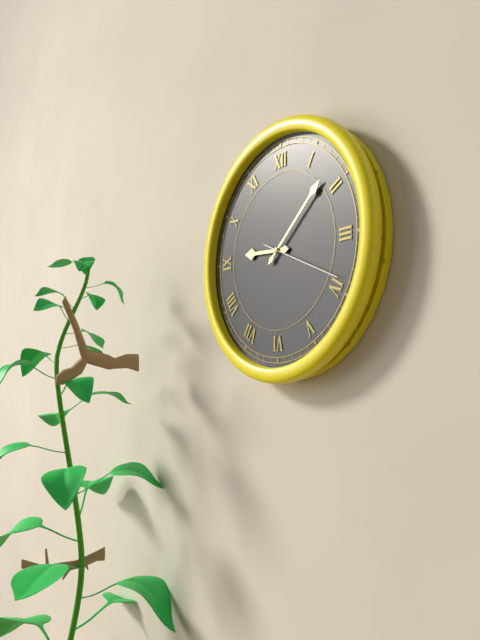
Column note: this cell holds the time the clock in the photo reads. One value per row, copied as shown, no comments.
9:08:19
